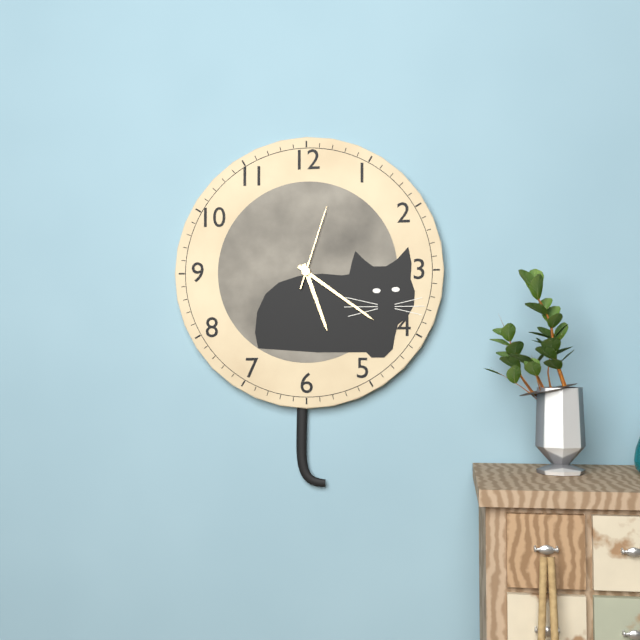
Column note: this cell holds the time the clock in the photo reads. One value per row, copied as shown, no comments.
5:21:03
